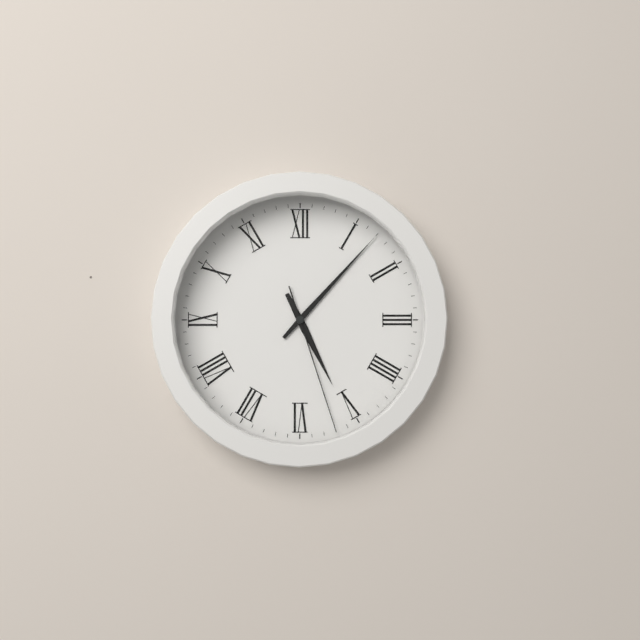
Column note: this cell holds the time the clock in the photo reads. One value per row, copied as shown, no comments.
5:07:27
